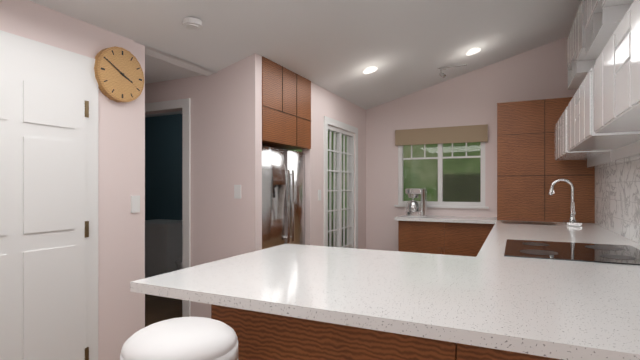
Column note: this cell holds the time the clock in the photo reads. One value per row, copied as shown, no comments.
3:50
